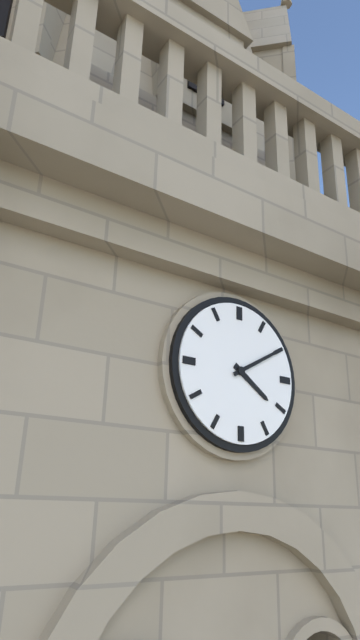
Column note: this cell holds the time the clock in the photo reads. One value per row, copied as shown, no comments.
4:10
